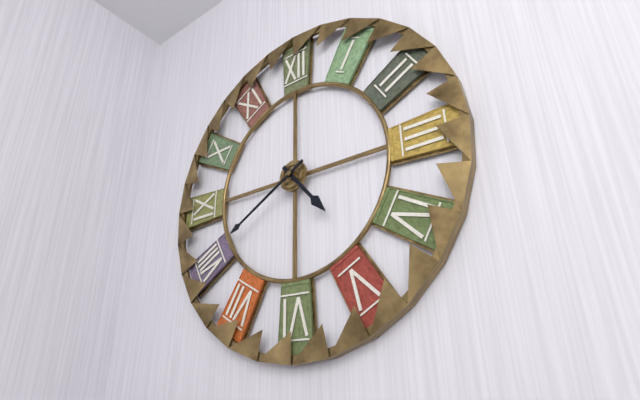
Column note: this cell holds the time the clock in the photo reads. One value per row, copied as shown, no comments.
4:40
